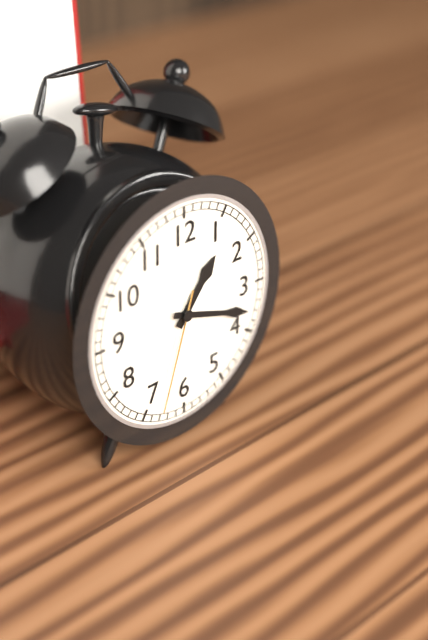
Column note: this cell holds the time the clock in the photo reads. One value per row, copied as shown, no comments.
1:18:33
